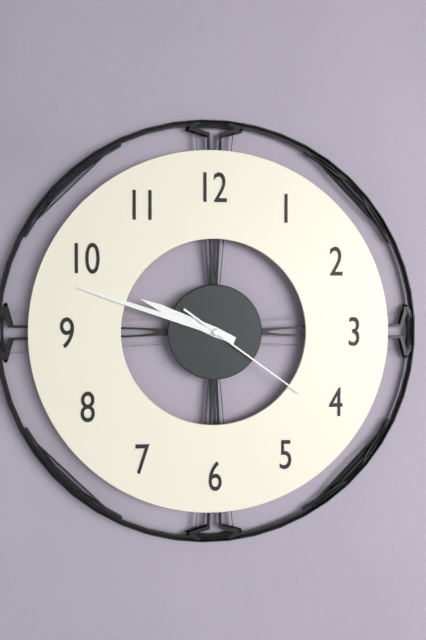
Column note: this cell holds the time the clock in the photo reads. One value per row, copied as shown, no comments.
9:48:21
